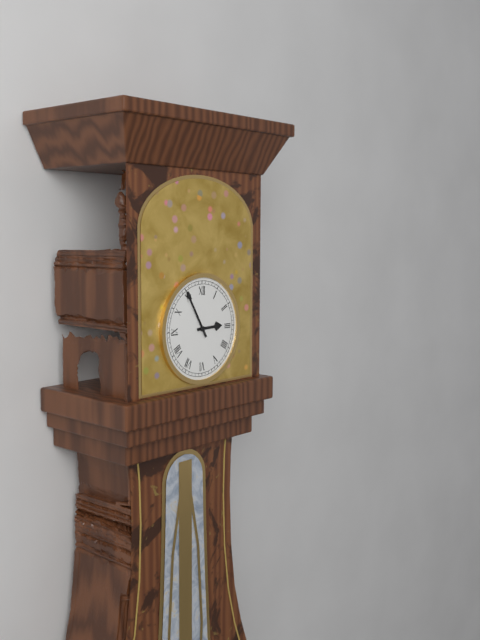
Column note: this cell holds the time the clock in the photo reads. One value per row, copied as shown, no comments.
2:55
